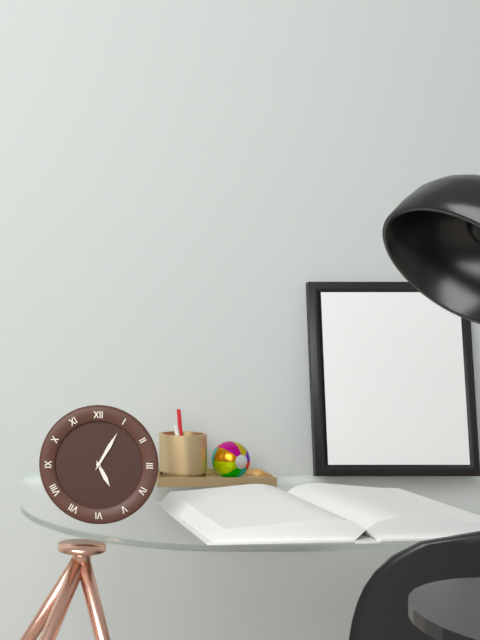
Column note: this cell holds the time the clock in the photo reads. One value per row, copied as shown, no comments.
5:05
